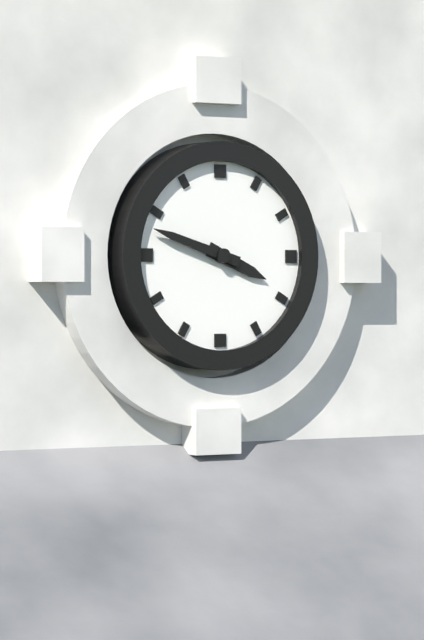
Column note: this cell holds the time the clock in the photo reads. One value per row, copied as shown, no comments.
3:48
